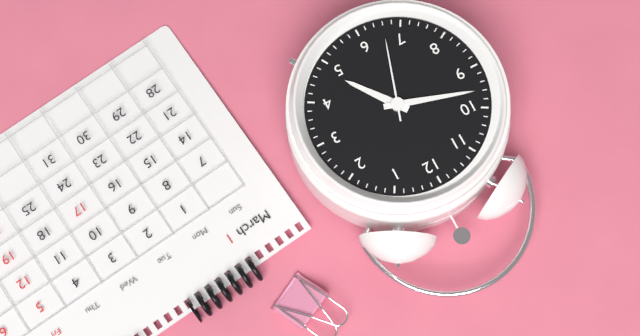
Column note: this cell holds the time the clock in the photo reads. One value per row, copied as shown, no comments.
4:48:33
